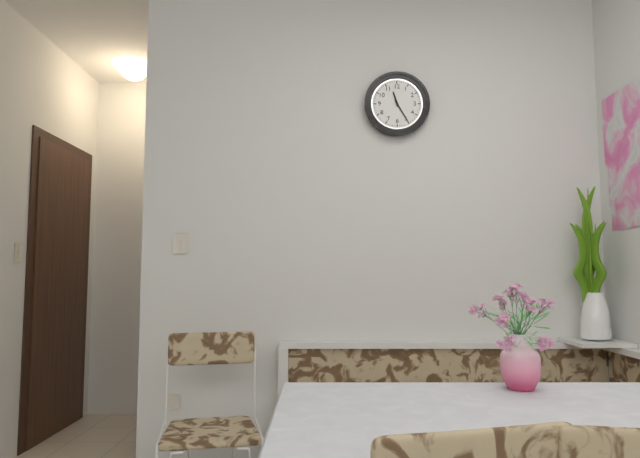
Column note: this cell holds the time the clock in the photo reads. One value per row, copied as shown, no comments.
11:25
